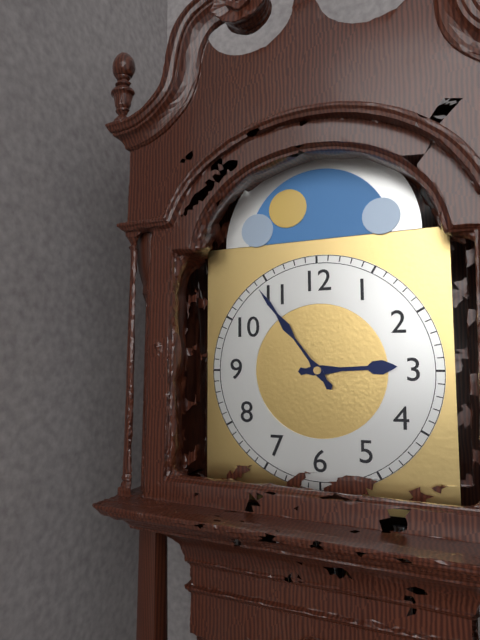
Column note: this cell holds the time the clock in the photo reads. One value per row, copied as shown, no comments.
2:54
